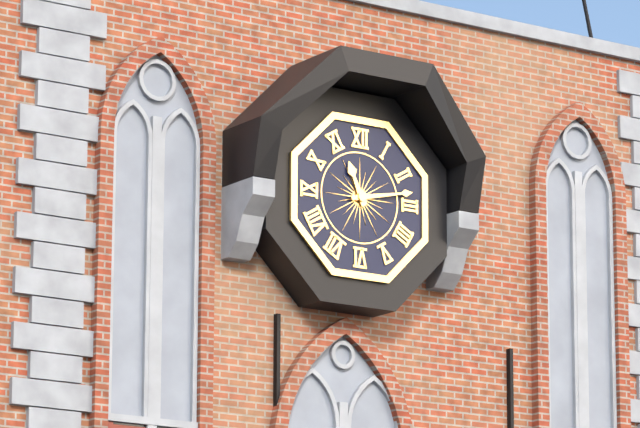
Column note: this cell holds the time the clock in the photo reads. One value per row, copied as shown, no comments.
11:13
